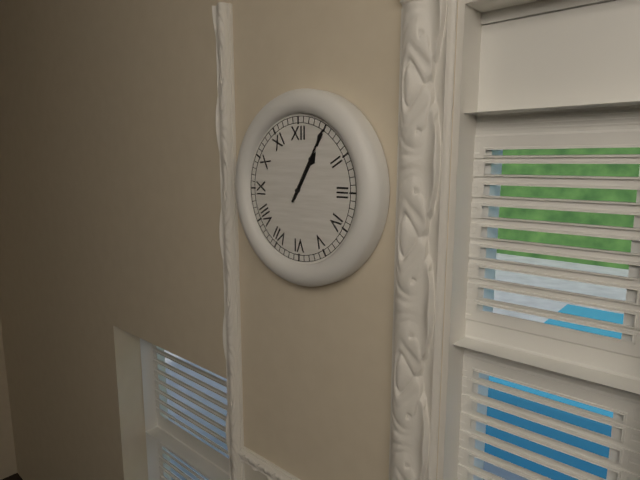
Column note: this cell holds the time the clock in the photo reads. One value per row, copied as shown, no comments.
1:05
